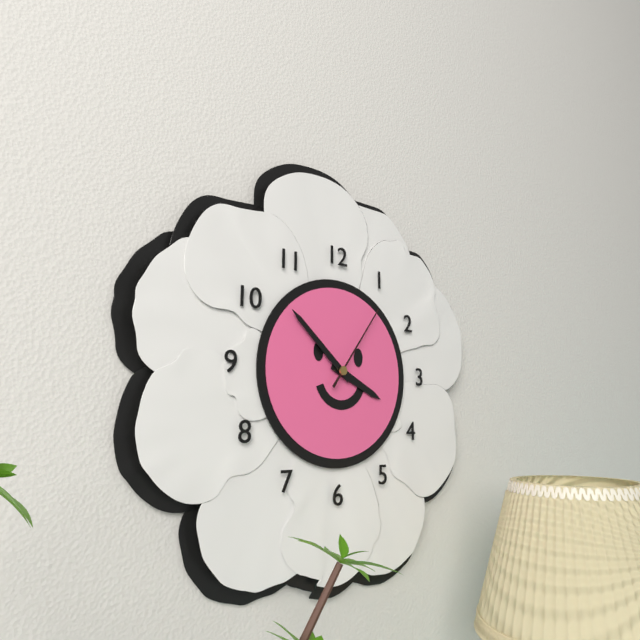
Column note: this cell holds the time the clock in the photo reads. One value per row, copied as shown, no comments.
3:52:06
